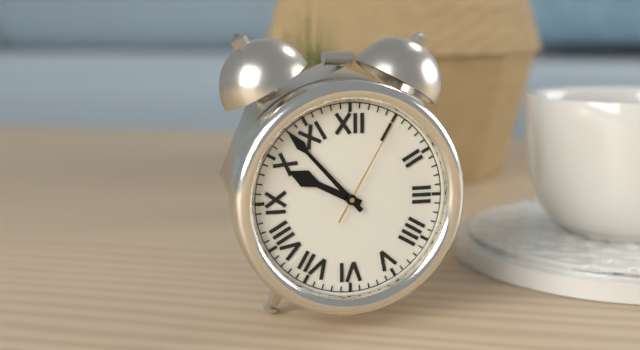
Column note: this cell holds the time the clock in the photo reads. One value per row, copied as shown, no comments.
9:53:05
